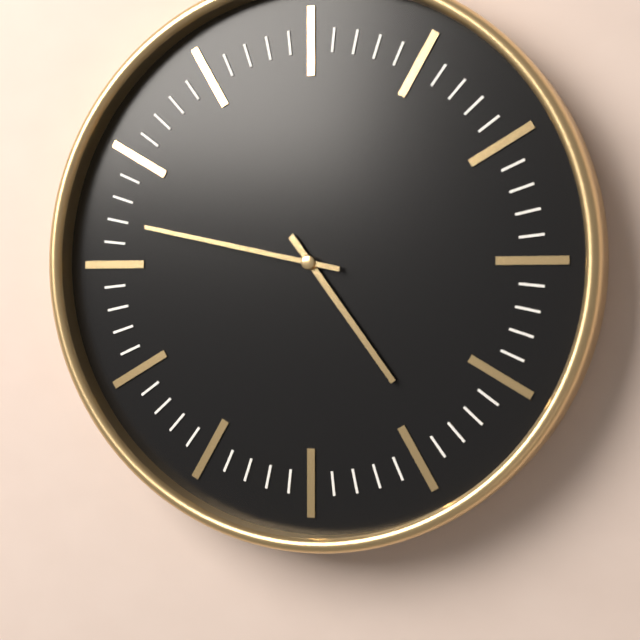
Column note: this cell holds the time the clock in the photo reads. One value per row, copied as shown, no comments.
4:47
